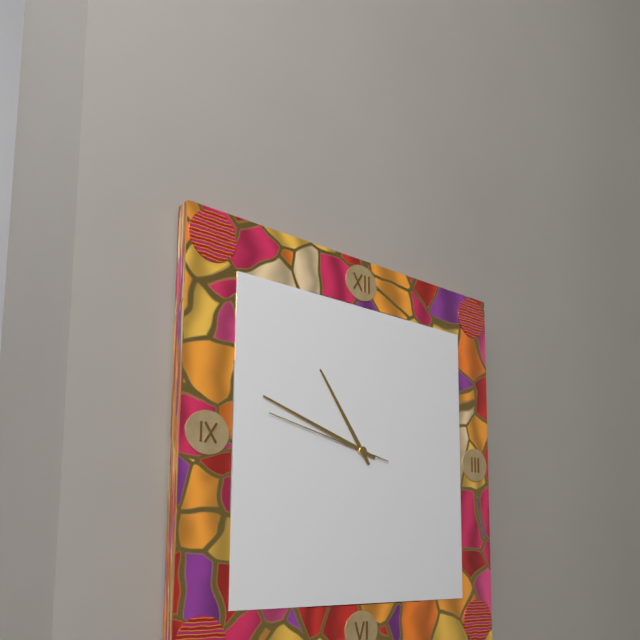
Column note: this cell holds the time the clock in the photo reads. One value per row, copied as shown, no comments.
10:48:47
